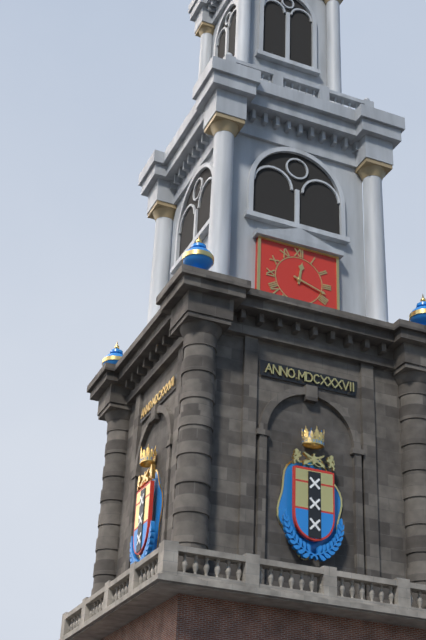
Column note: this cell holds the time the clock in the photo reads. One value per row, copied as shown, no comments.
12:18
